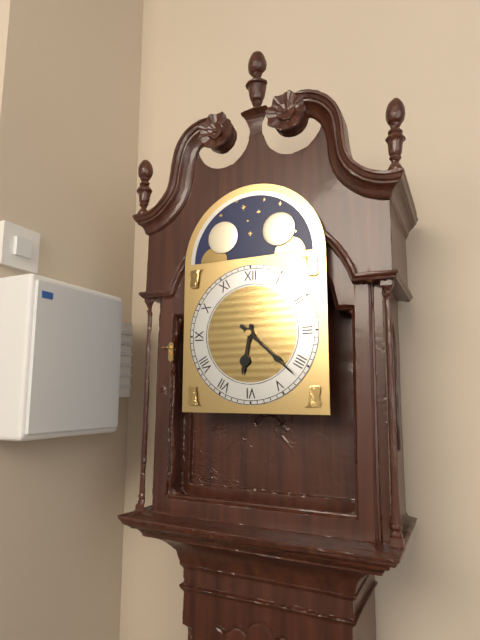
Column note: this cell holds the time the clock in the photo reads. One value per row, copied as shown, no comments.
6:22
